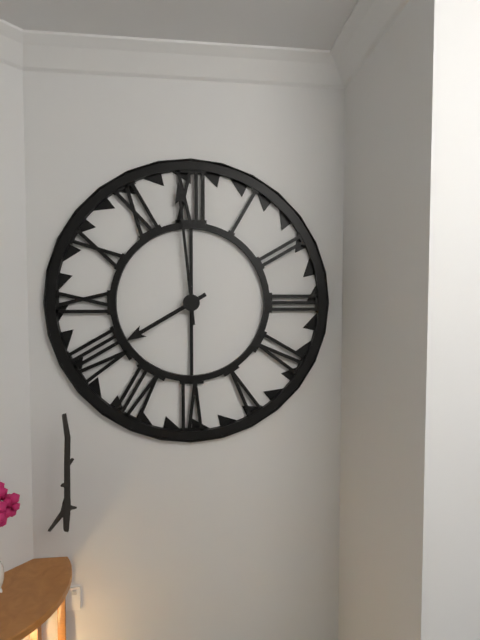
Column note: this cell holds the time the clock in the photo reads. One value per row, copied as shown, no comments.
7:59
